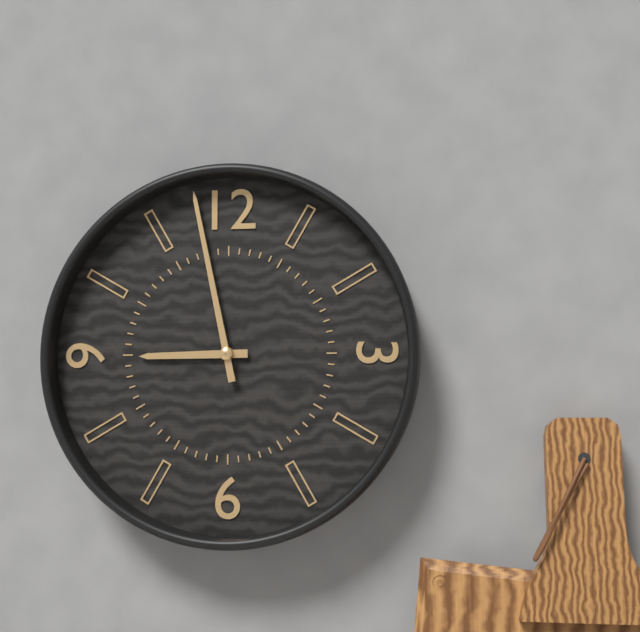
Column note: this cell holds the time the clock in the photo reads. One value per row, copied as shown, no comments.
8:58
